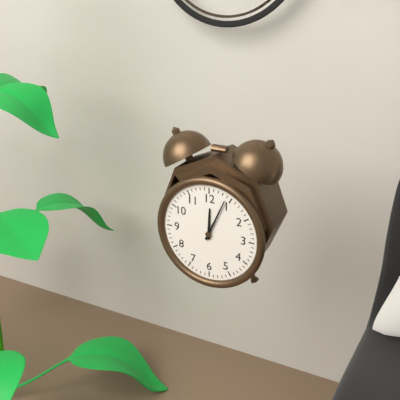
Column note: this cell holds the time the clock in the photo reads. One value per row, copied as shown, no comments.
12:04
